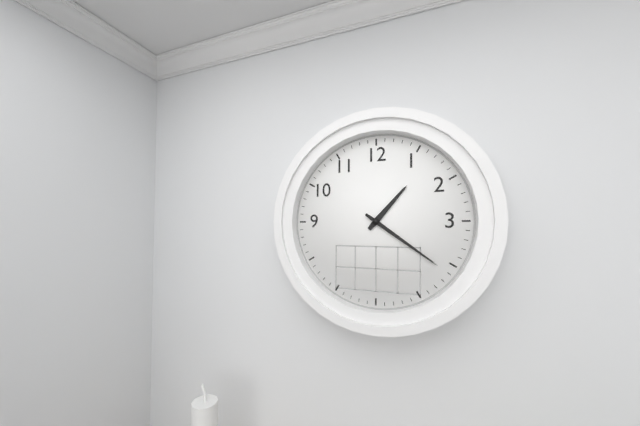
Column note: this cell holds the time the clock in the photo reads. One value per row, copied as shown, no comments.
1:21
